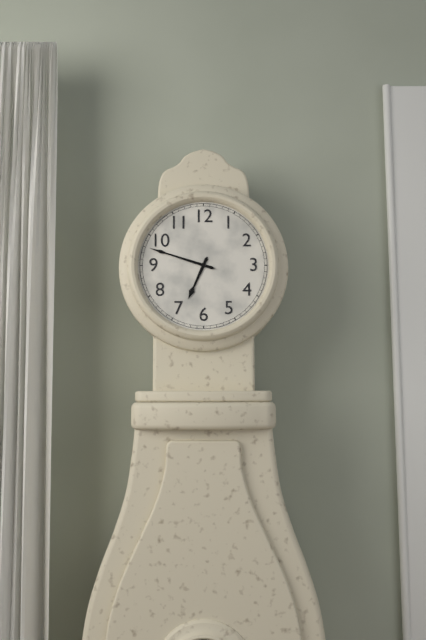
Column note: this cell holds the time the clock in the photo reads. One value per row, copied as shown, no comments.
6:48
